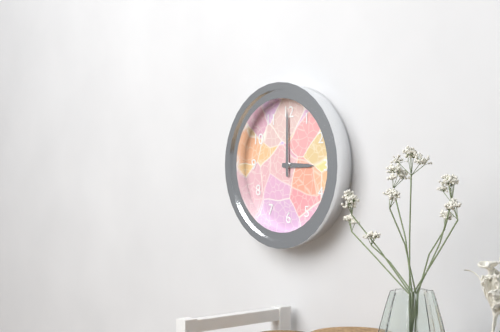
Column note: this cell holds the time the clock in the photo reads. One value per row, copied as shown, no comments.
3:00
